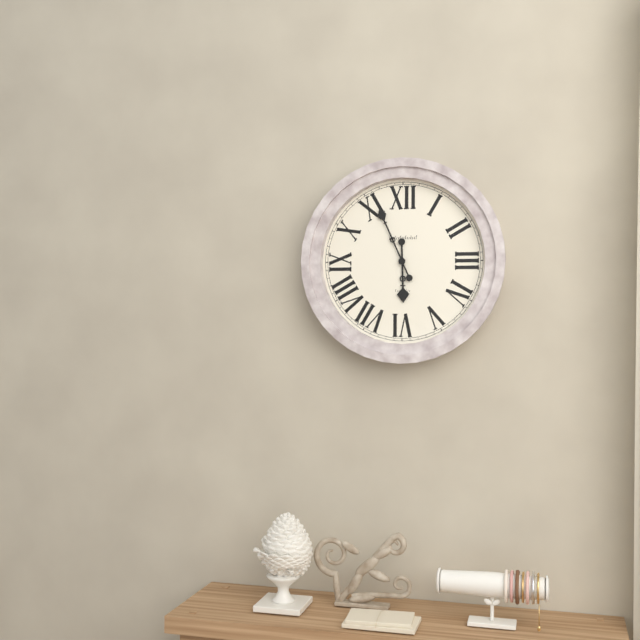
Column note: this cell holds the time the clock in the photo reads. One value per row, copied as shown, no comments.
5:56
